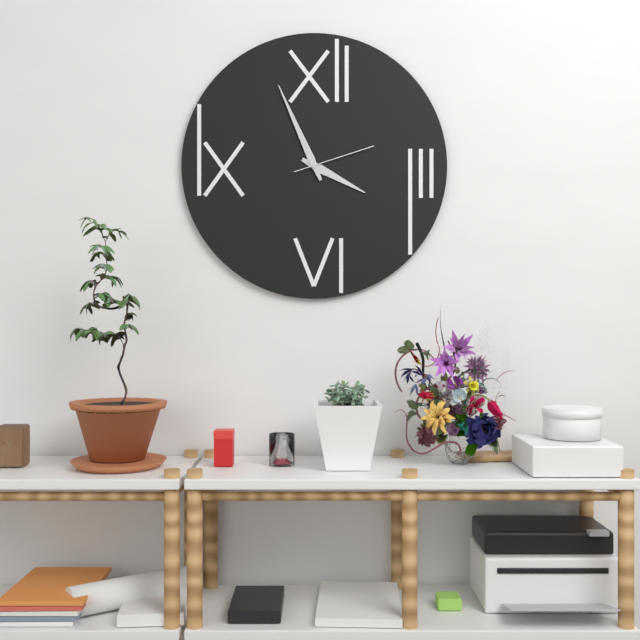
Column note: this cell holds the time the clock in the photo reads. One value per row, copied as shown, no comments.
3:56:12
